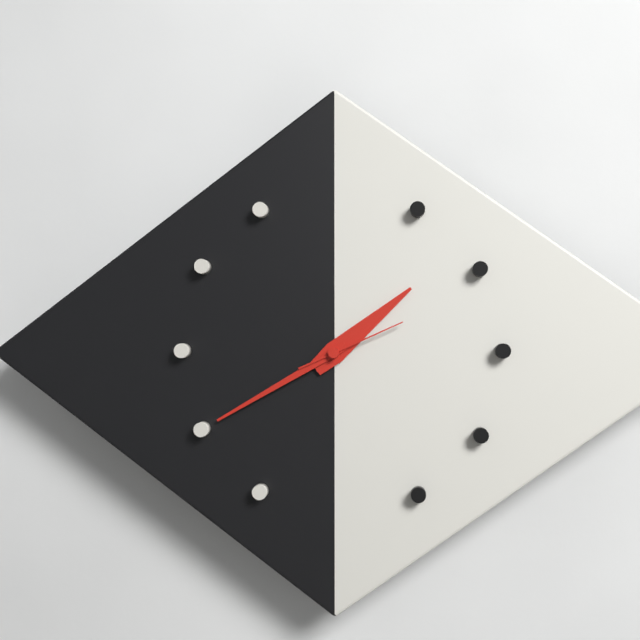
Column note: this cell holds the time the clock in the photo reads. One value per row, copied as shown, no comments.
1:40:11
